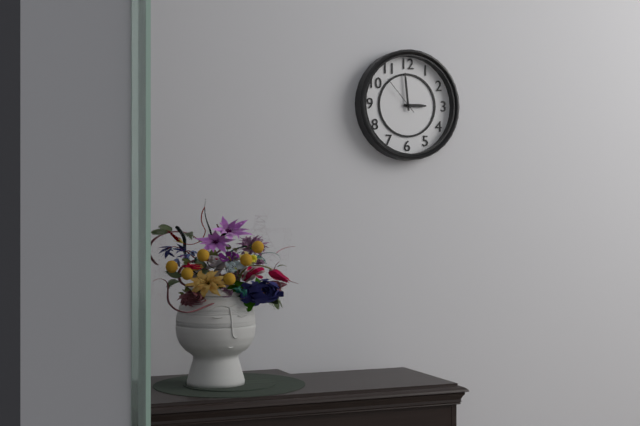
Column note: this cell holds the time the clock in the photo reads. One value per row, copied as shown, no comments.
2:59
